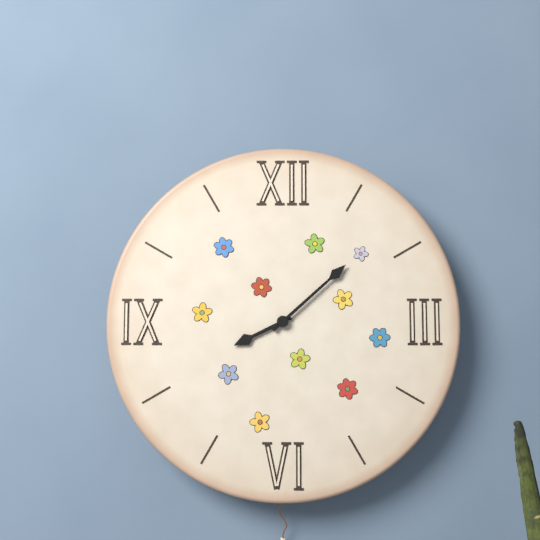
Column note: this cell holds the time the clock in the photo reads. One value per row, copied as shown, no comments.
8:08
